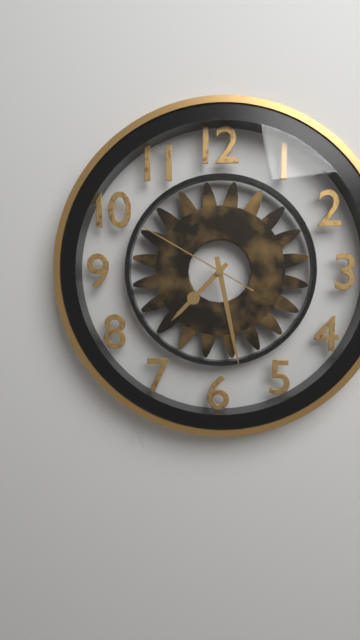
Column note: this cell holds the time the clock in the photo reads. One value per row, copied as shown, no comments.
7:28:50
